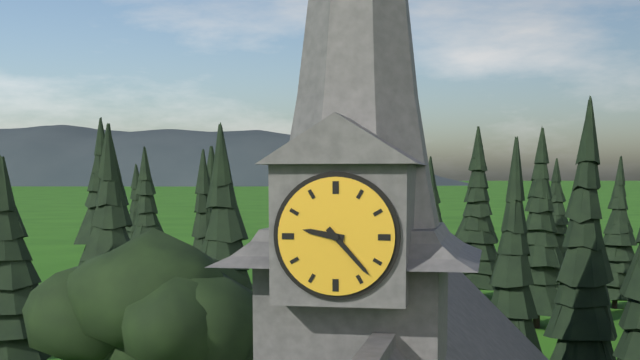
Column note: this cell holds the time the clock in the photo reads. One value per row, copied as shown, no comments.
9:23
